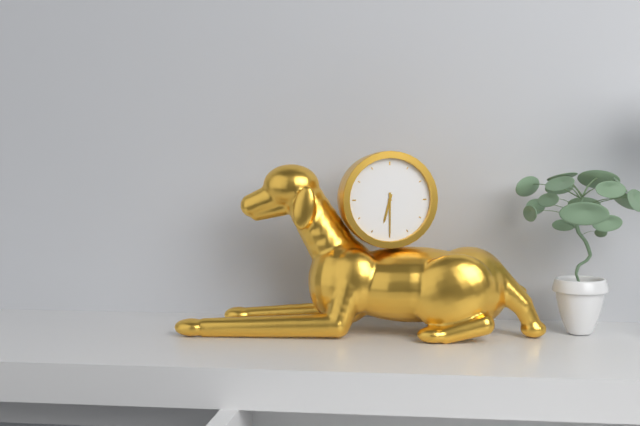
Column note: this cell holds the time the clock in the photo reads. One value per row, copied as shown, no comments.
6:30
